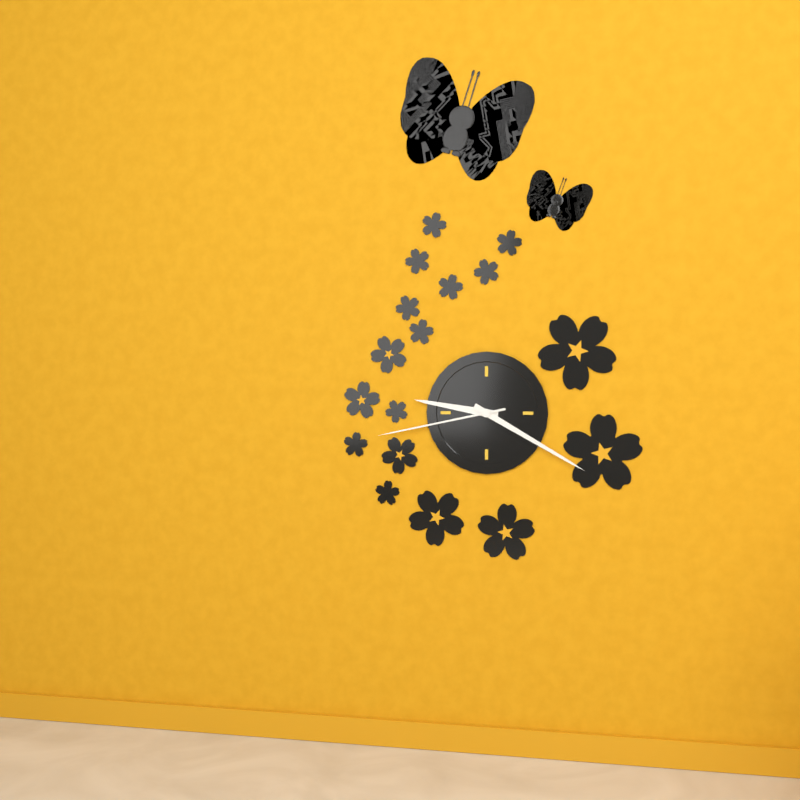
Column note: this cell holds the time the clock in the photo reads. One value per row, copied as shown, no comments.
9:20:43
